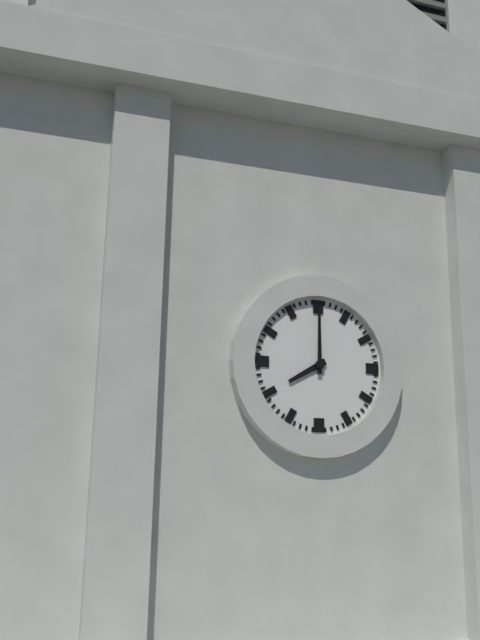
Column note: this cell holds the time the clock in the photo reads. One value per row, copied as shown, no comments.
8:00
